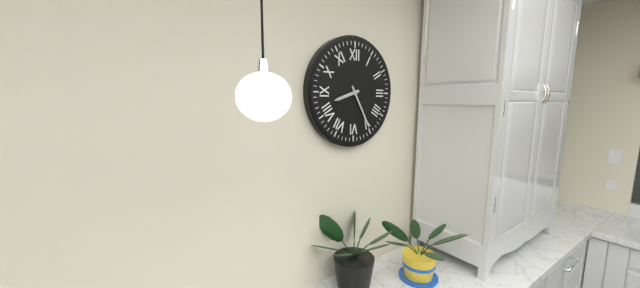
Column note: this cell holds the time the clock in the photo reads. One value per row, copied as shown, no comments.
8:25
